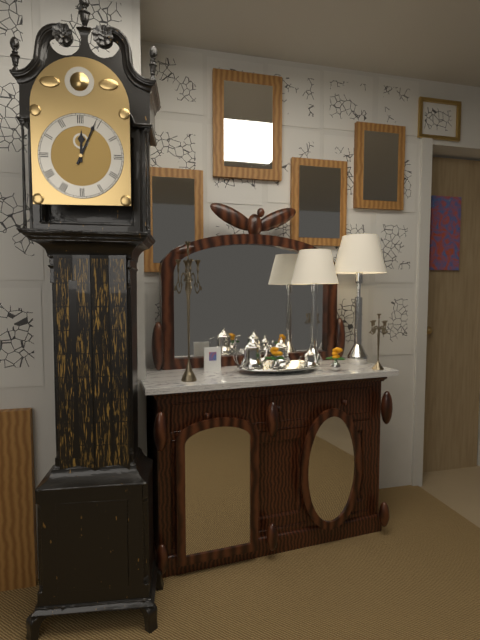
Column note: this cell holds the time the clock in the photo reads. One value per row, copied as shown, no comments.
12:04
